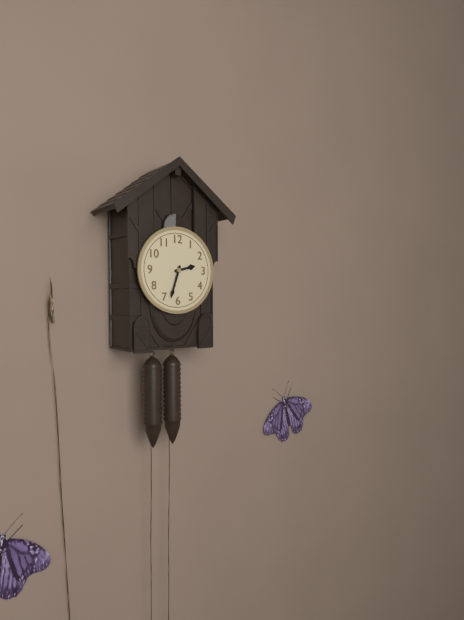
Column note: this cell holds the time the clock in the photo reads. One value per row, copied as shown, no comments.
2:33
